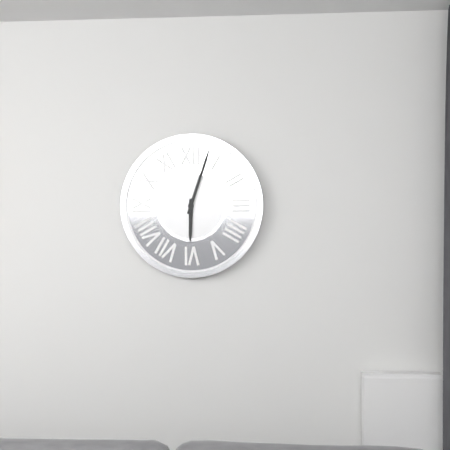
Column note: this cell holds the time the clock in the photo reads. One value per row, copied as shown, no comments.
6:03
